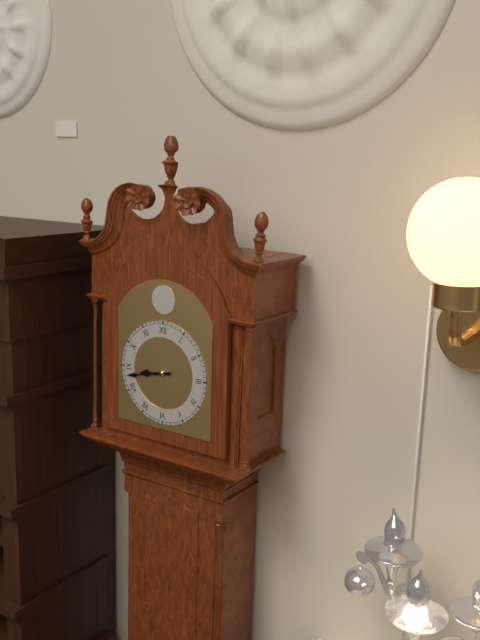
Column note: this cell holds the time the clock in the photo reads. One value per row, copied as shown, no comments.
8:43
